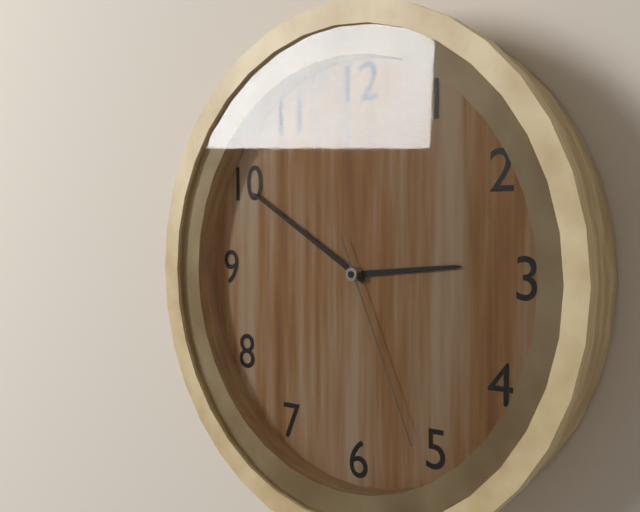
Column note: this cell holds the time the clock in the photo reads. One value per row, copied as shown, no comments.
2:50:26
